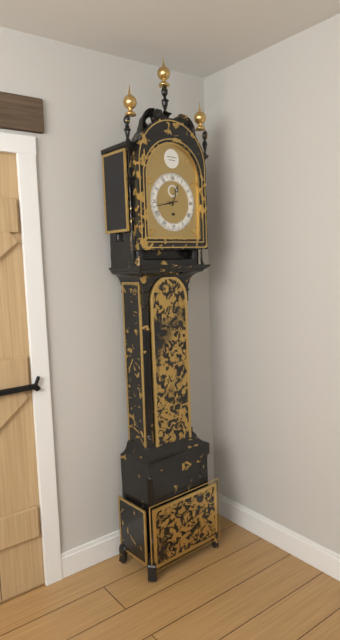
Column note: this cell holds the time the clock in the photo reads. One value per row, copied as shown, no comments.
12:43
